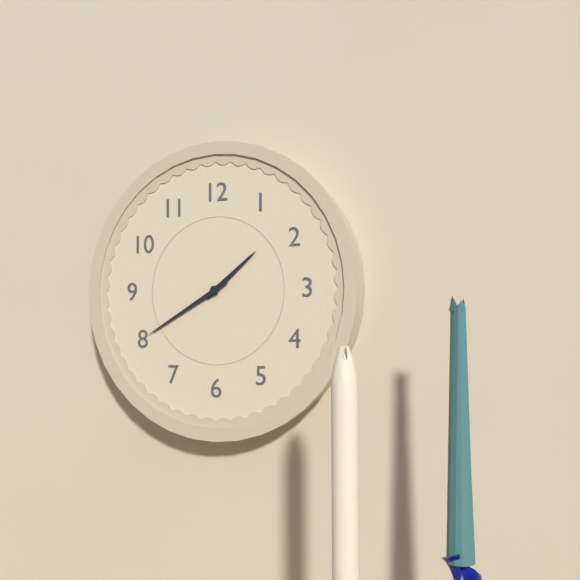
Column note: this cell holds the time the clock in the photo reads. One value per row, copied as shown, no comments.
1:40
